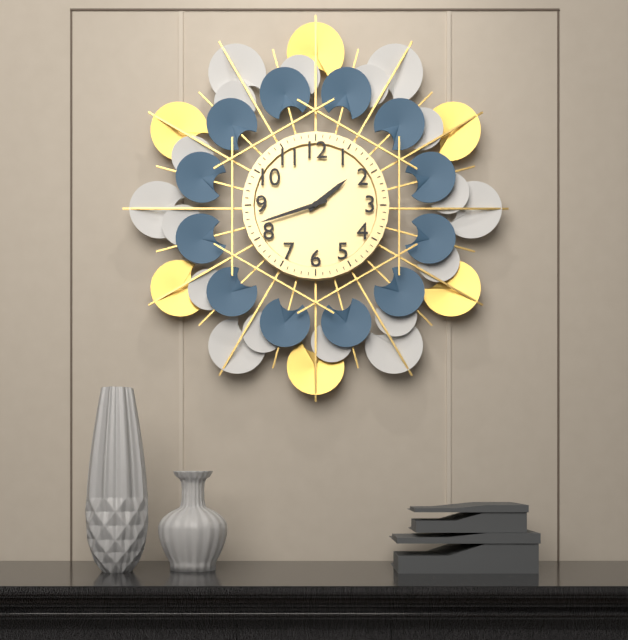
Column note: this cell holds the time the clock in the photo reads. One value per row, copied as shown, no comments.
1:42
